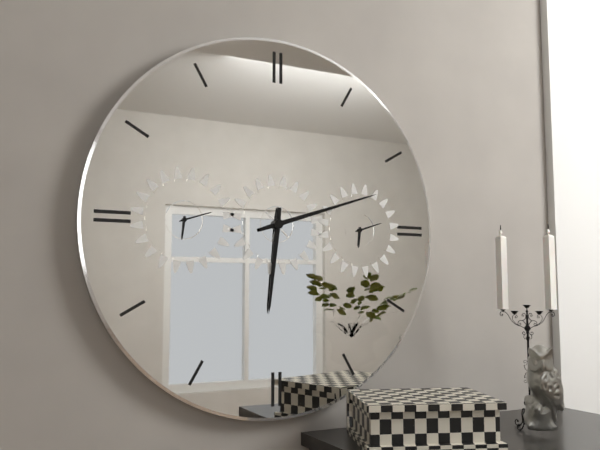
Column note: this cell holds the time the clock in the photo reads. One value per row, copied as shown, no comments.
6:12
